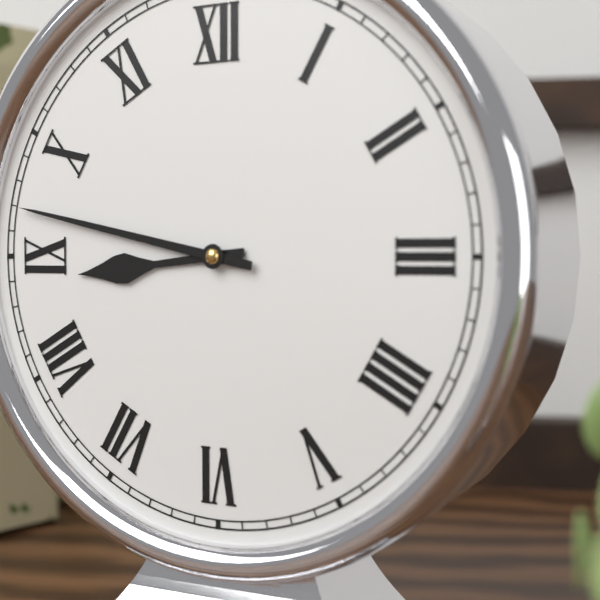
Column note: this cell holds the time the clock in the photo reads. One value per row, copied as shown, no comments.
8:47
